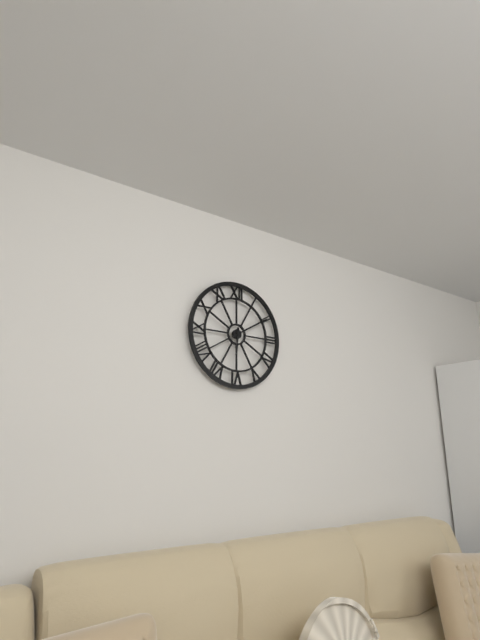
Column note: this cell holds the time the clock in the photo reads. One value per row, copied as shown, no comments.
6:10
